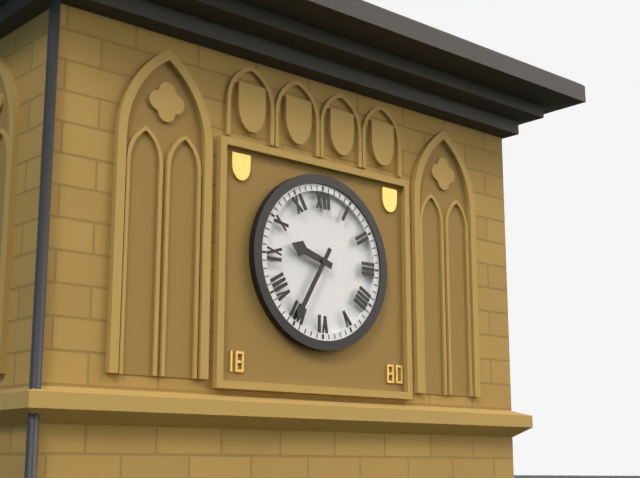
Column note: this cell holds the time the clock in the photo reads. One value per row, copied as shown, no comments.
9:35
